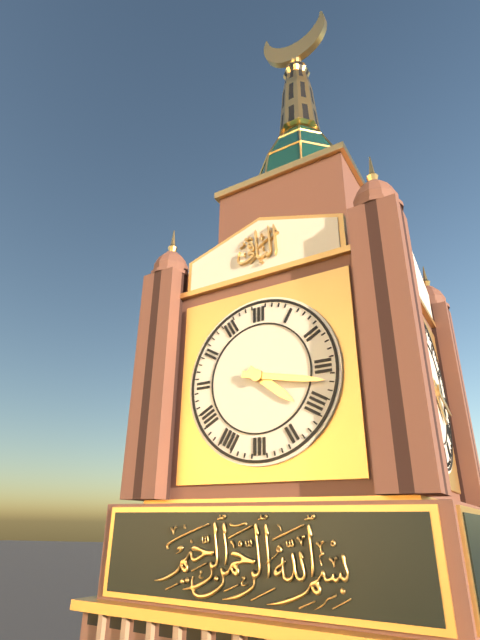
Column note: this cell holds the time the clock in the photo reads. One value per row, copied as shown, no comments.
4:17
